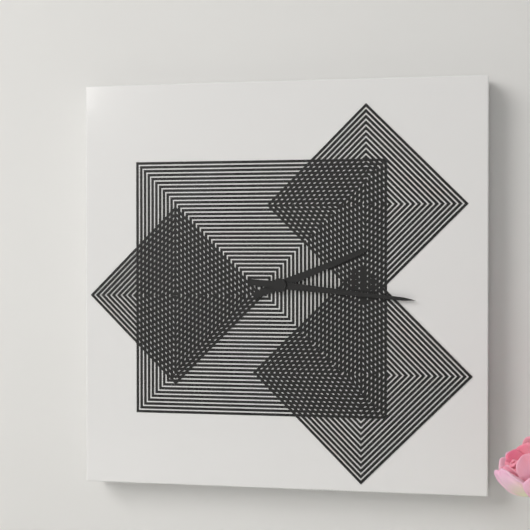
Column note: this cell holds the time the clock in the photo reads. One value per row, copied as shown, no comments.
2:16
